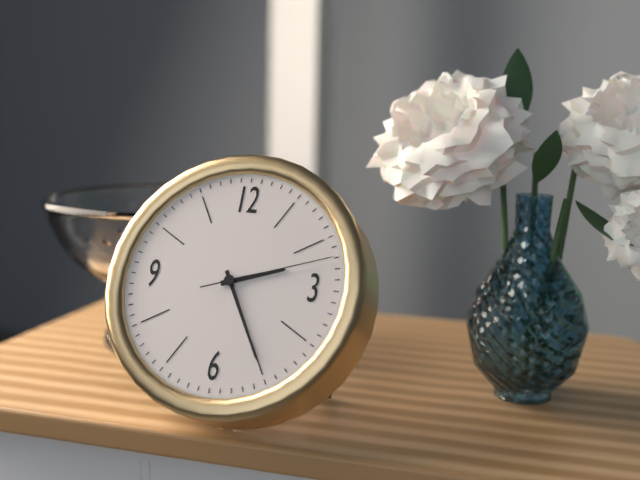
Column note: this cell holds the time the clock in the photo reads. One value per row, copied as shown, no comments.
2:25:12
